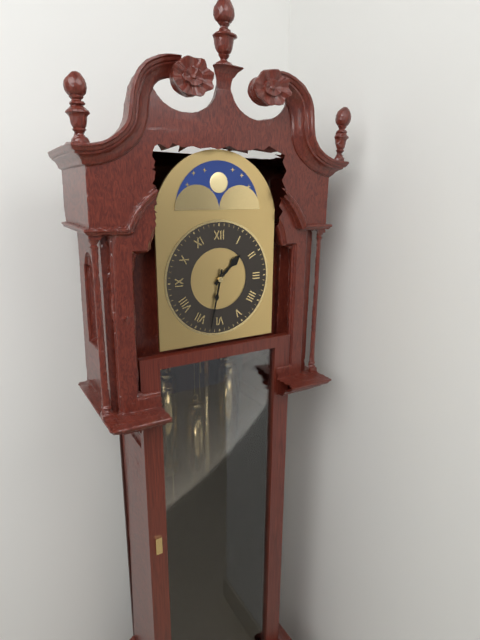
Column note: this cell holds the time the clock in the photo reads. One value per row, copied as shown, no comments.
1:32
